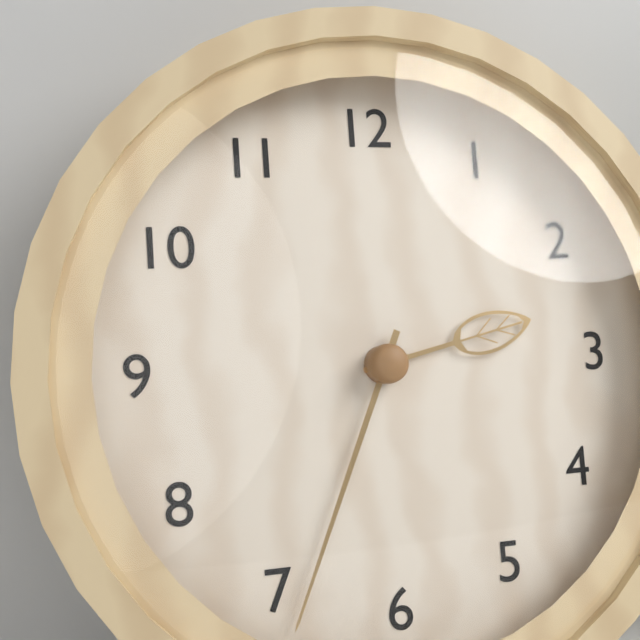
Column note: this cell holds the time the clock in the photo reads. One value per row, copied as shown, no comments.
2:34
